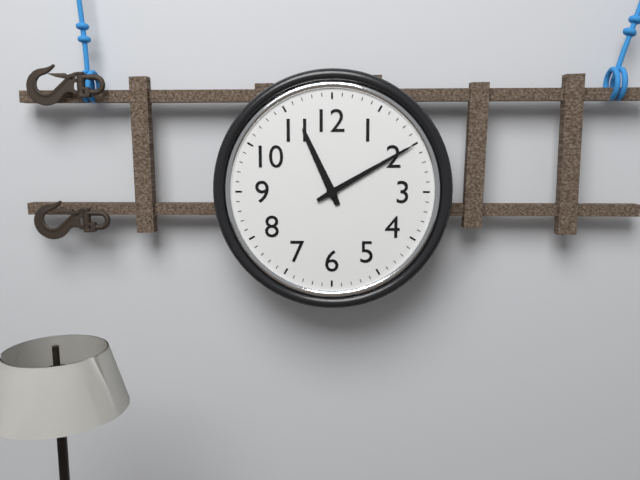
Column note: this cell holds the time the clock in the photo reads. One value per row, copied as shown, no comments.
11:10
